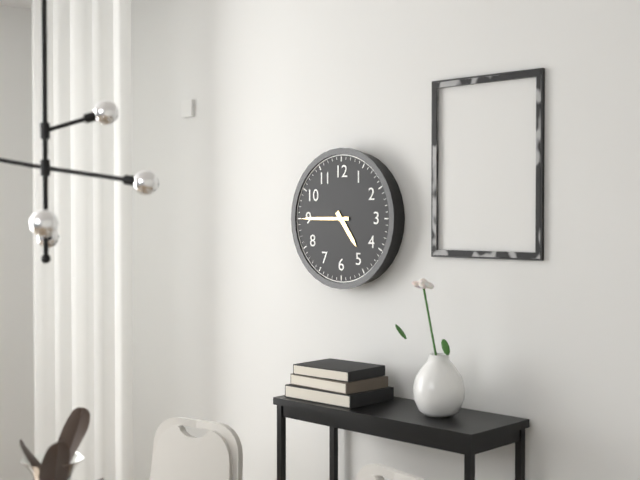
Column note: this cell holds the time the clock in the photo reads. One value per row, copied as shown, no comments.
4:45
